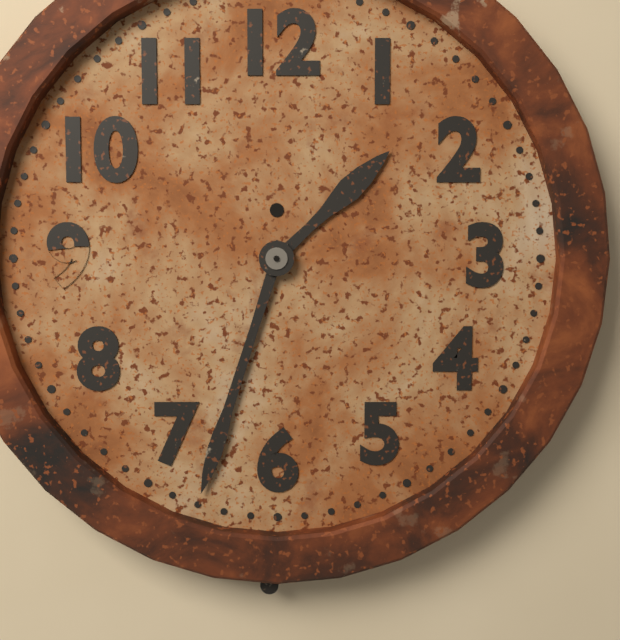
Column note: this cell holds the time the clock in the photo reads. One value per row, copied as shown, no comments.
1:33
